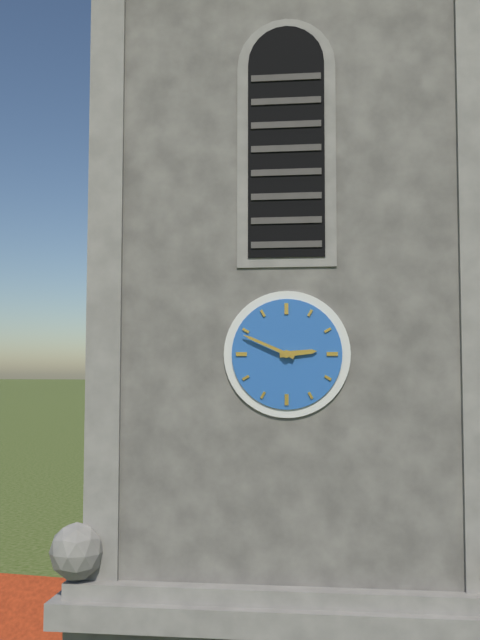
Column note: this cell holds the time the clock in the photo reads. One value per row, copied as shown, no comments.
2:49
